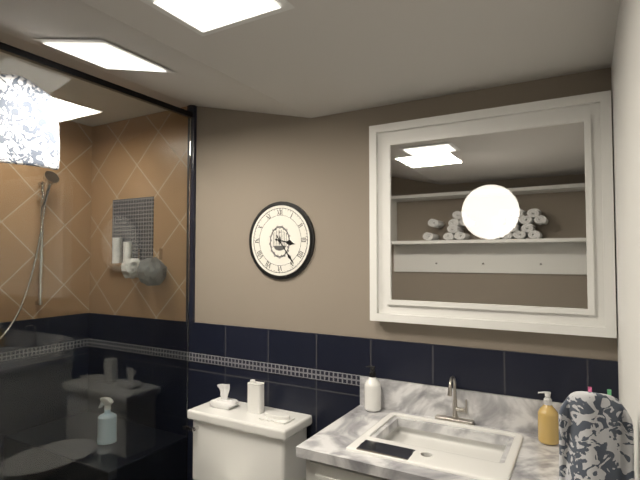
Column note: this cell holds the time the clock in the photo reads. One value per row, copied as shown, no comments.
3:24
